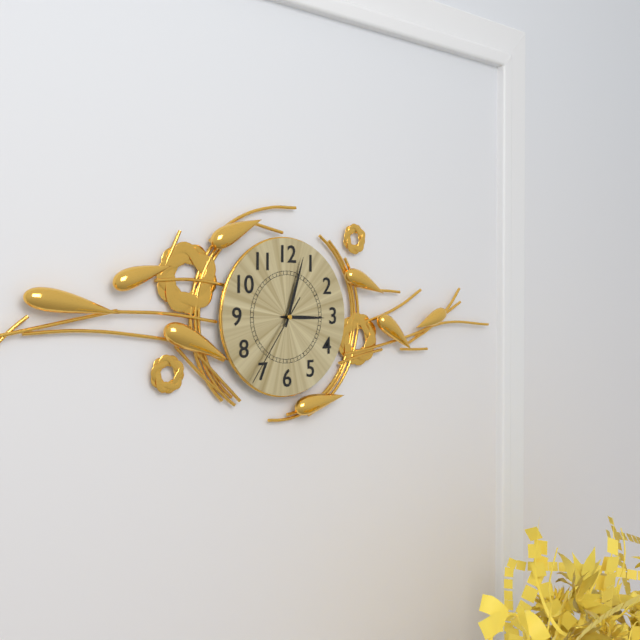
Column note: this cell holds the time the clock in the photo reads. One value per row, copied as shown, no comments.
3:03:36
